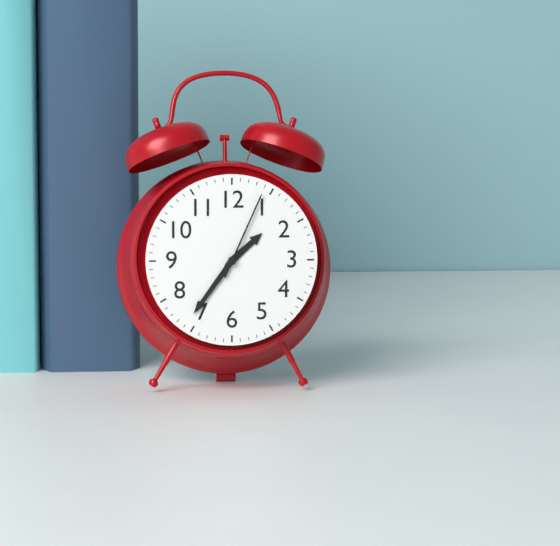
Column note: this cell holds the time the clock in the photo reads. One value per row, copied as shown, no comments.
1:36:04
